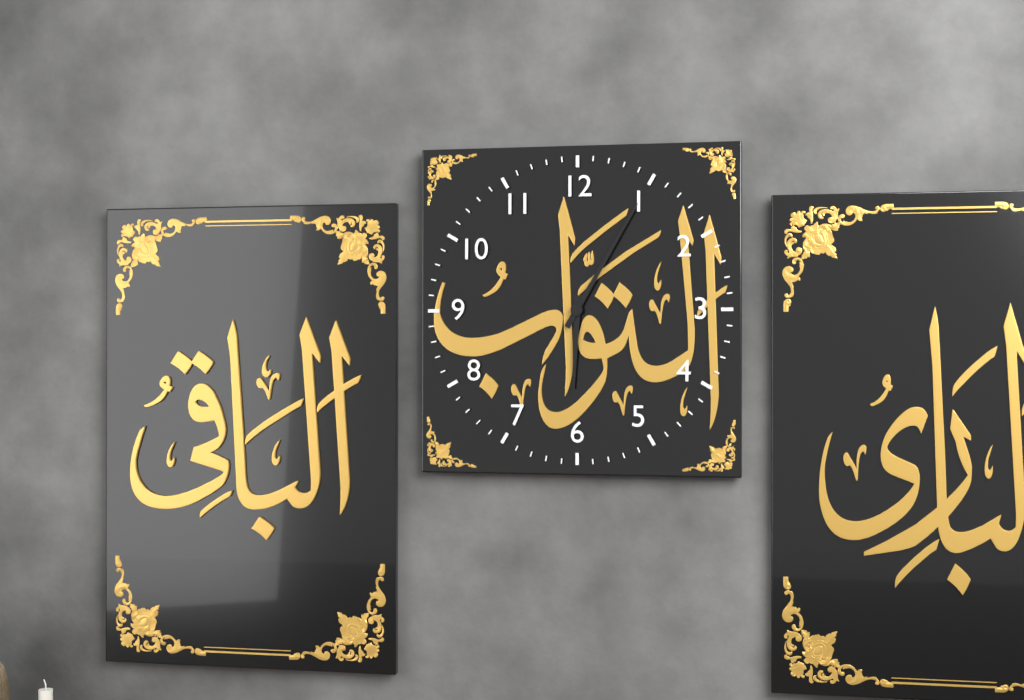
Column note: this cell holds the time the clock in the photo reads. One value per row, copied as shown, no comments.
6:05
